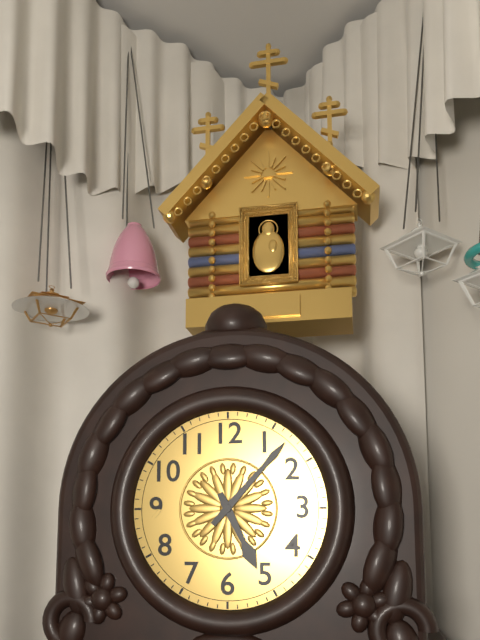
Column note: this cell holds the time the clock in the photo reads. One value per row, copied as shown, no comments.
5:07
